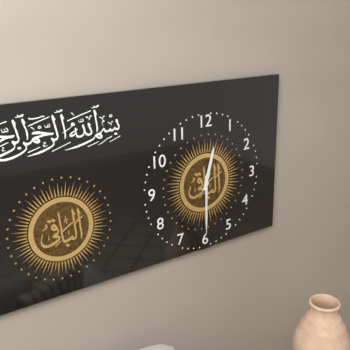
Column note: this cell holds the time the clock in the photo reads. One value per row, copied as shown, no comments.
12:30
